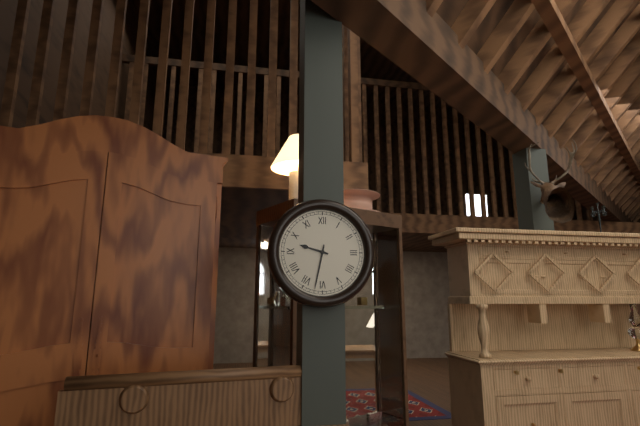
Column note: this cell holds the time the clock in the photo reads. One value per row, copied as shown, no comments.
9:32
